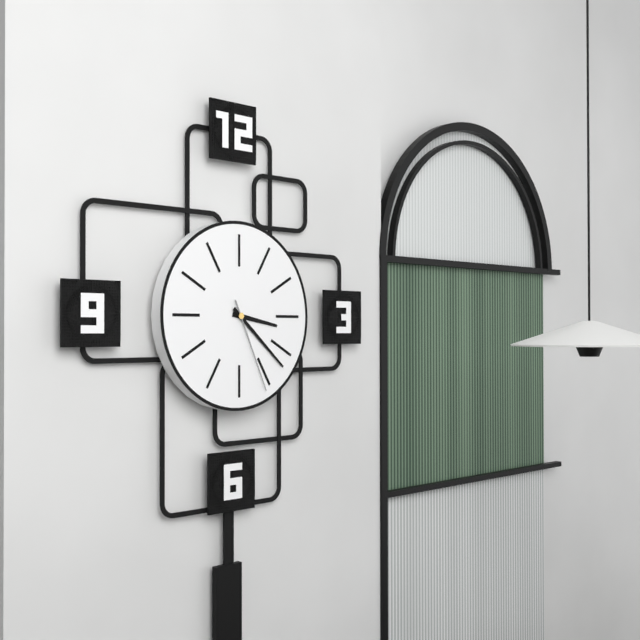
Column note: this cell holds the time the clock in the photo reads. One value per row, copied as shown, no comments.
3:22:26
